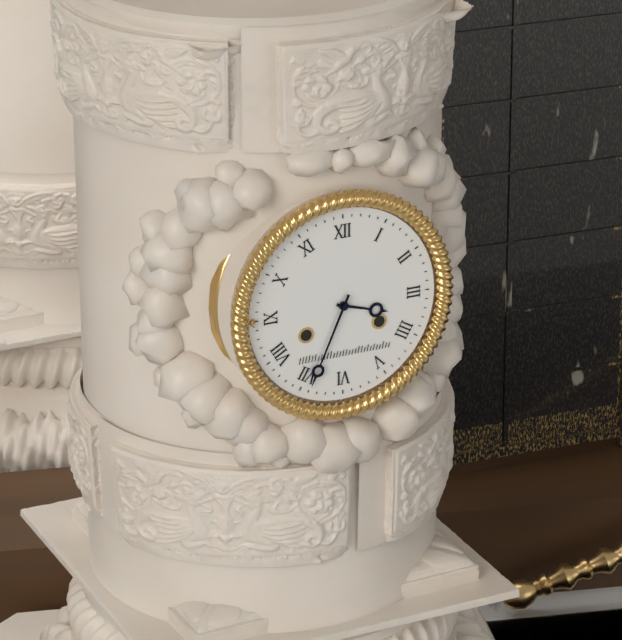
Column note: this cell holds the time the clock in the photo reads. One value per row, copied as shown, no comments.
3:34
